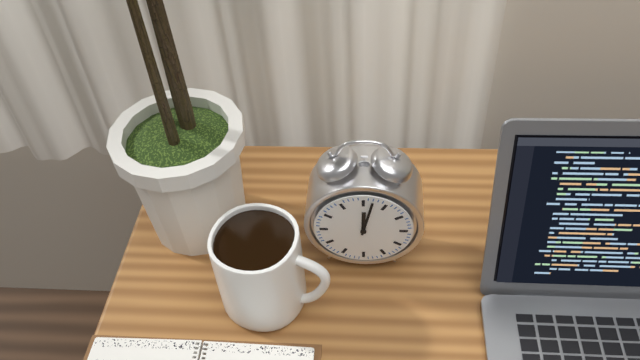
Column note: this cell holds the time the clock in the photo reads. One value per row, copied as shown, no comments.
12:02
